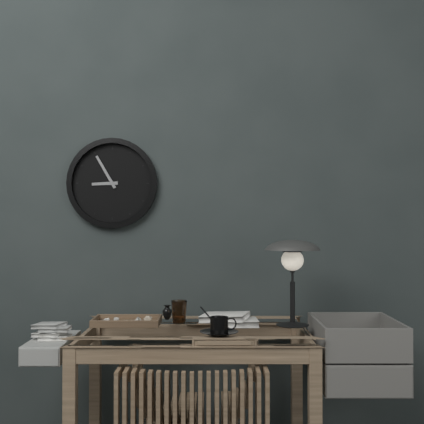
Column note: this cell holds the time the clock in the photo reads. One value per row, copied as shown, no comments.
8:55
